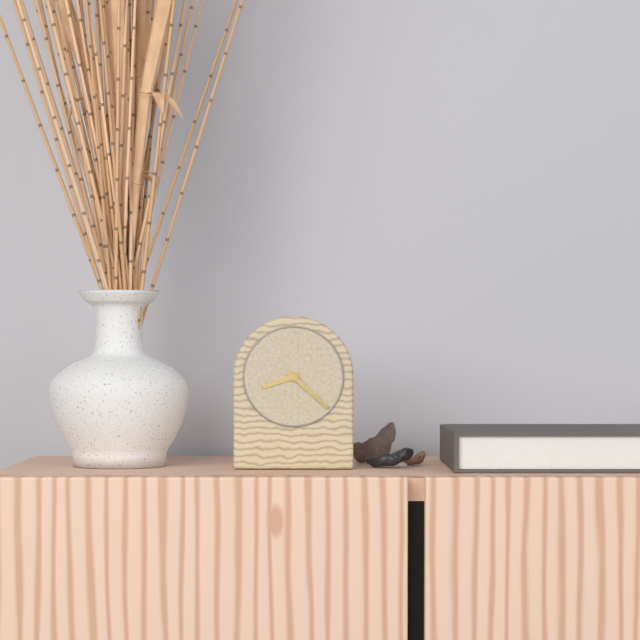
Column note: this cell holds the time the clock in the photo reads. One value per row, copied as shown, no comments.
8:22
